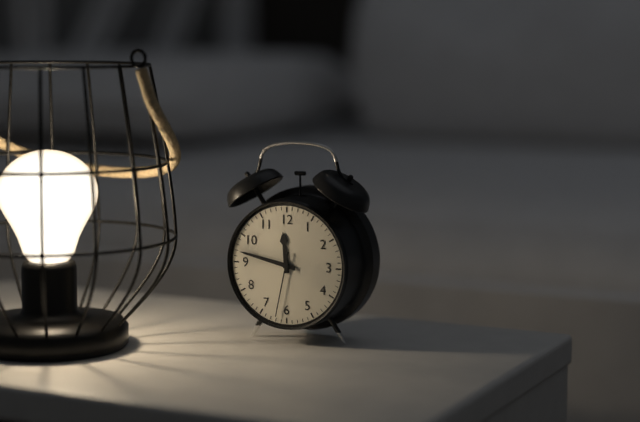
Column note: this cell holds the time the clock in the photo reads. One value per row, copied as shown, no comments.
11:47:32
